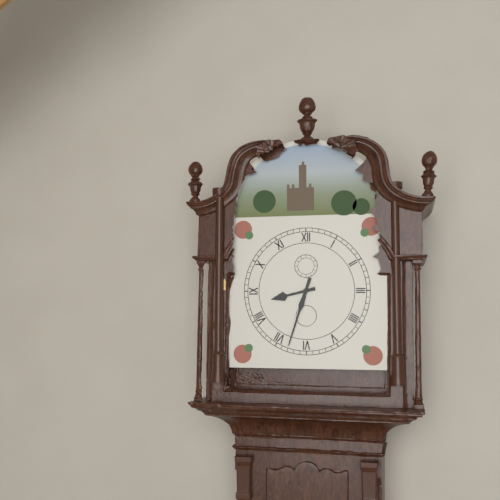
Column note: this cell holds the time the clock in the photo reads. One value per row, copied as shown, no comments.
8:33
